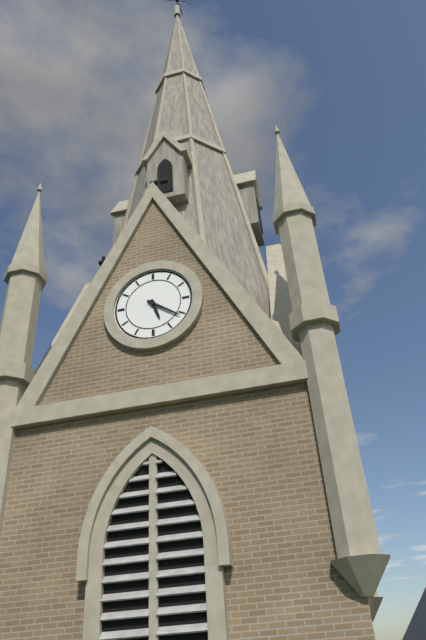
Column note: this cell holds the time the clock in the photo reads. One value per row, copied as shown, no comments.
5:21
